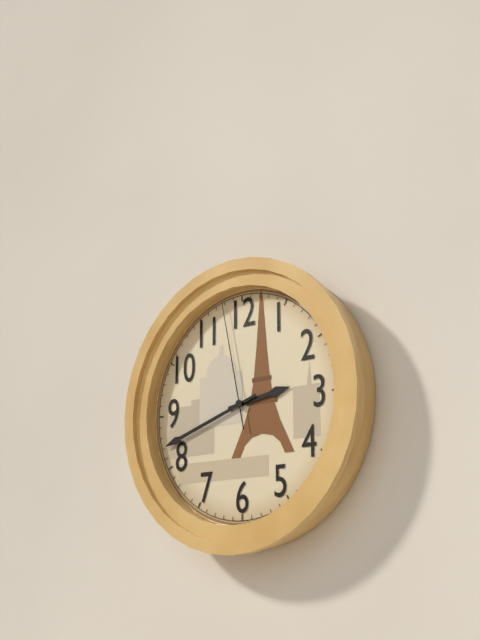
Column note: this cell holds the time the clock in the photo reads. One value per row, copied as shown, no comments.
2:42:58
